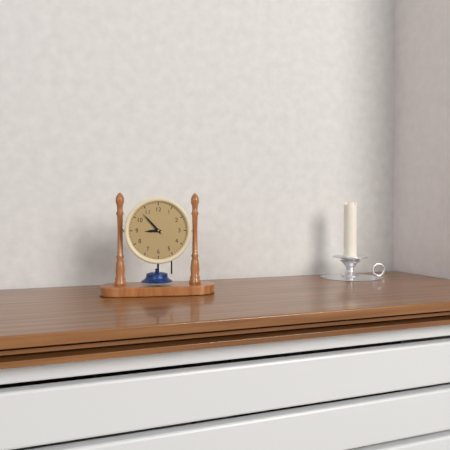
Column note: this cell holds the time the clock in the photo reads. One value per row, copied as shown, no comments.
8:53
